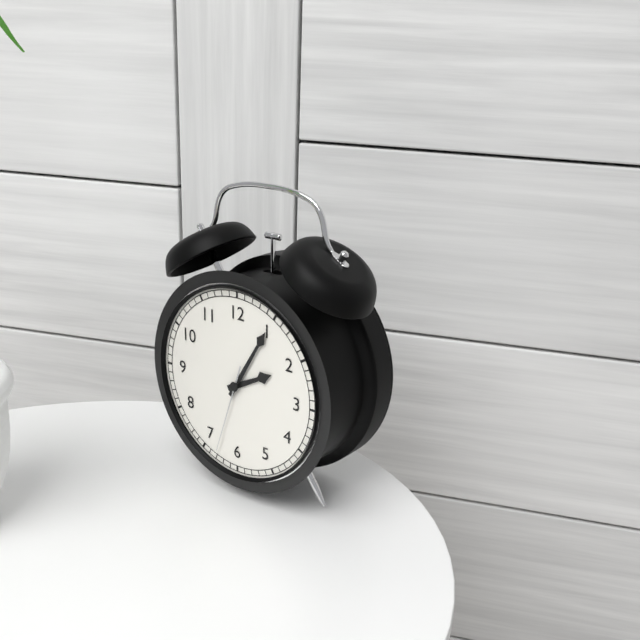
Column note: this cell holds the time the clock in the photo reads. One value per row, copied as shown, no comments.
2:05:33
